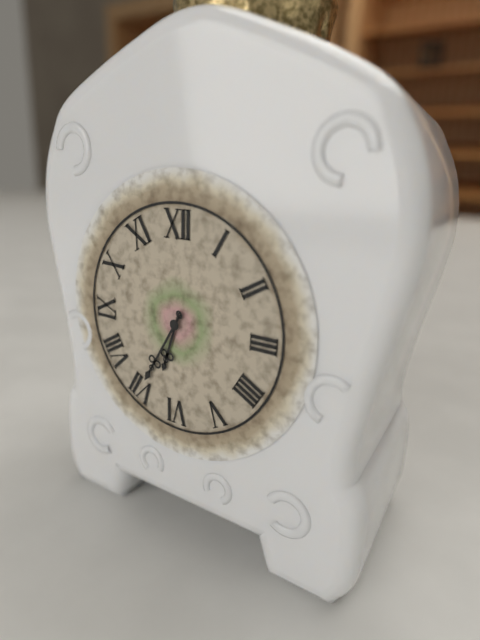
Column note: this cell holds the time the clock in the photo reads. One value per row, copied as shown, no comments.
6:35
